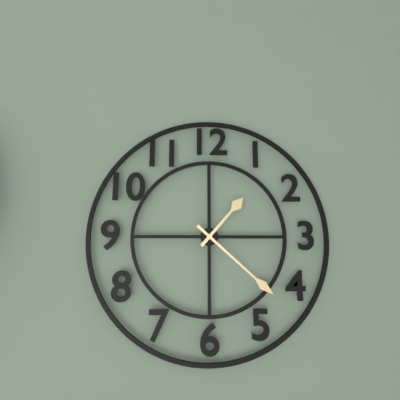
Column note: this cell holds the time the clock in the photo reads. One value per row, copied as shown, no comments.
1:22
